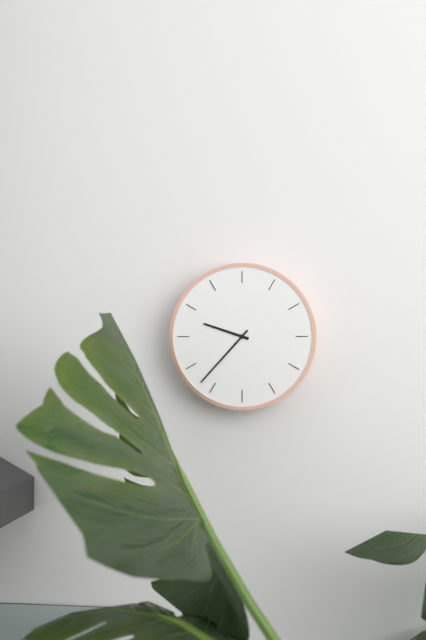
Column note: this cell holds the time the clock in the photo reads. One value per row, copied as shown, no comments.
9:37
